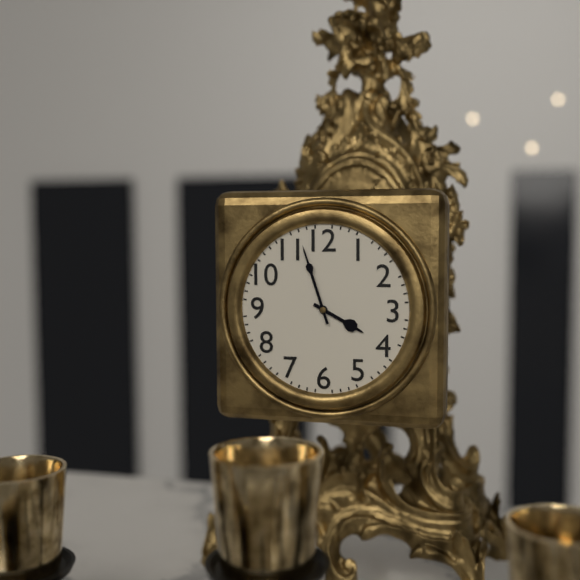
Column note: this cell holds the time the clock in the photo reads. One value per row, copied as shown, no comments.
3:57
